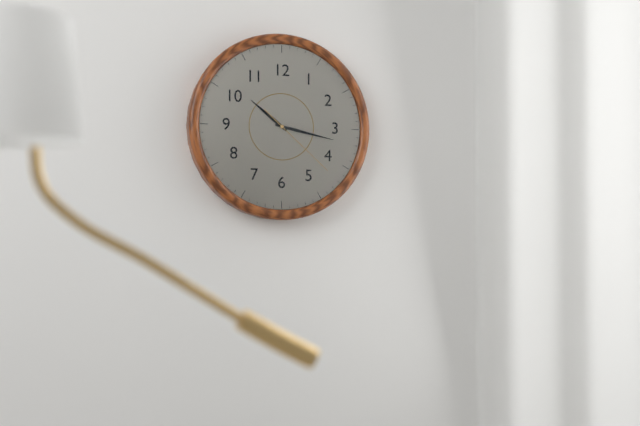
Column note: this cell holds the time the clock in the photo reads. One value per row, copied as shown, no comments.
10:17:22
